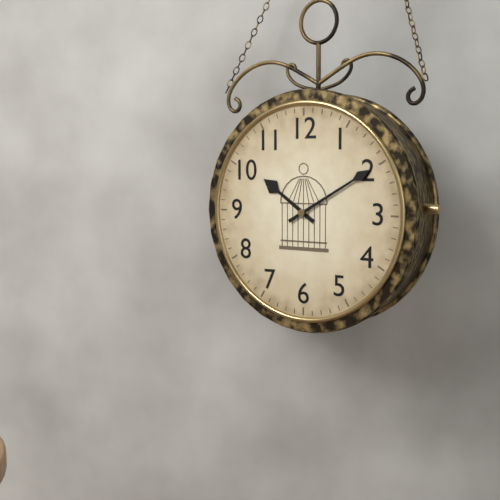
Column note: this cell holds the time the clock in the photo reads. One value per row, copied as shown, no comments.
10:10
